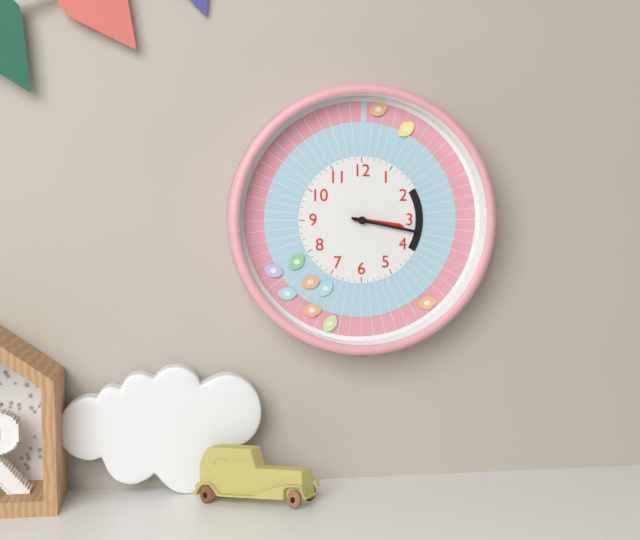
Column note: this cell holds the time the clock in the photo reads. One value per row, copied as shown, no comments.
3:17
